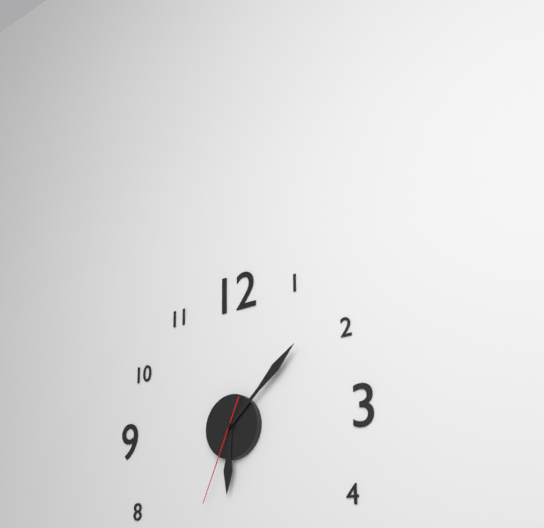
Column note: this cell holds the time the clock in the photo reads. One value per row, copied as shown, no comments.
6:08:34
